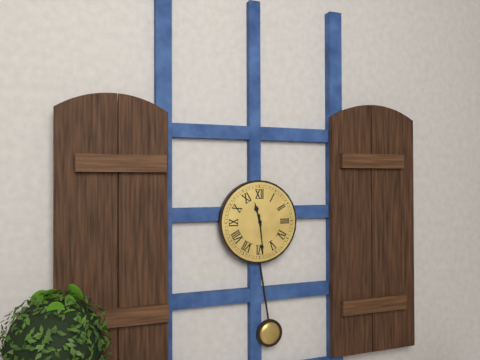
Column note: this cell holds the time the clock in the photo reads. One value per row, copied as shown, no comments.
11:29
